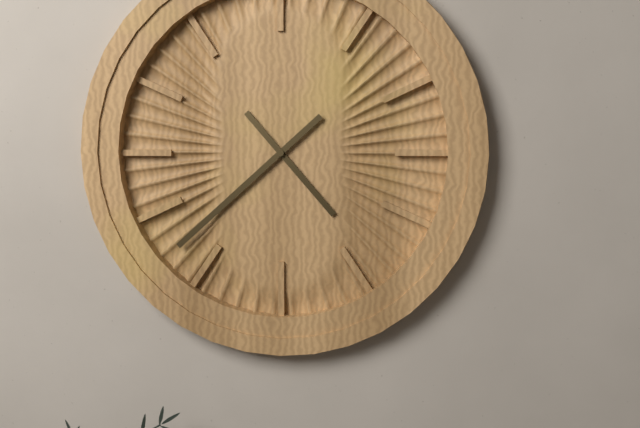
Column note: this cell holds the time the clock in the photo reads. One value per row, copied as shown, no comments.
4:38
